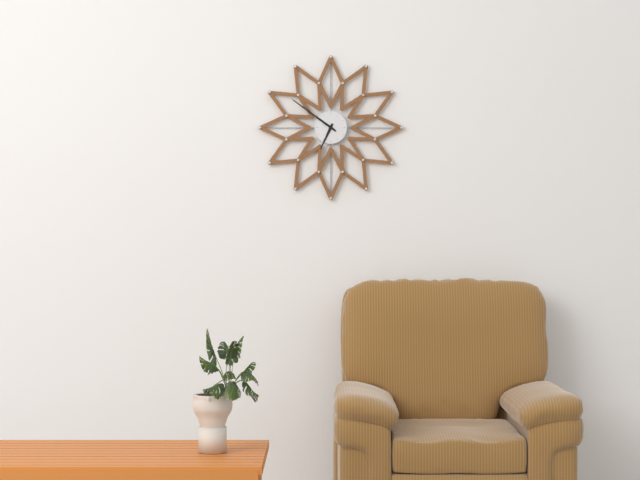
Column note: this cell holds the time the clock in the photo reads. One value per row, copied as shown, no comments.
6:51
